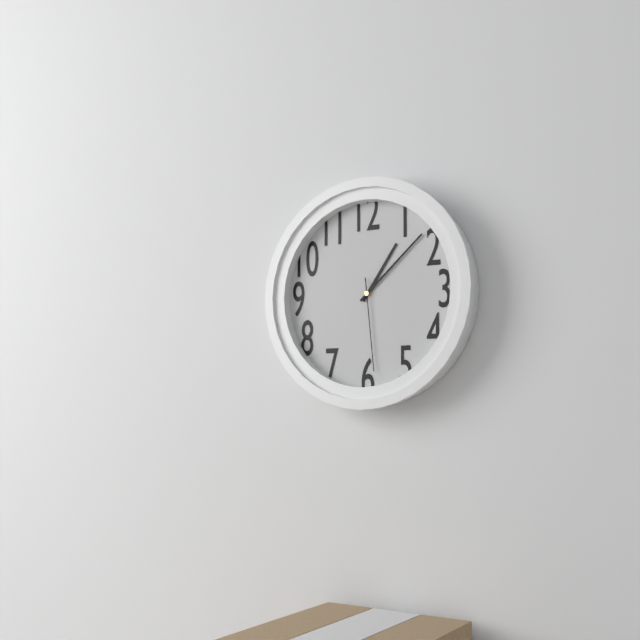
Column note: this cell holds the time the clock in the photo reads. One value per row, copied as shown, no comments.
1:08:29
